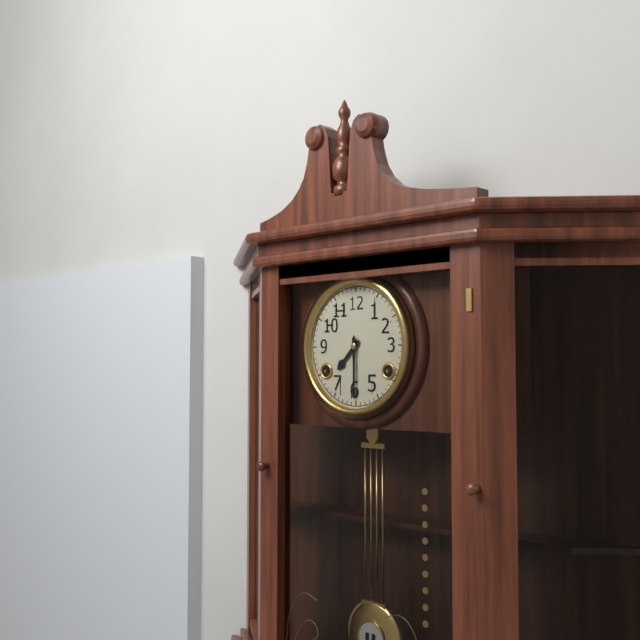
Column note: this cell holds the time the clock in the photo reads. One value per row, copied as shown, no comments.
7:30
